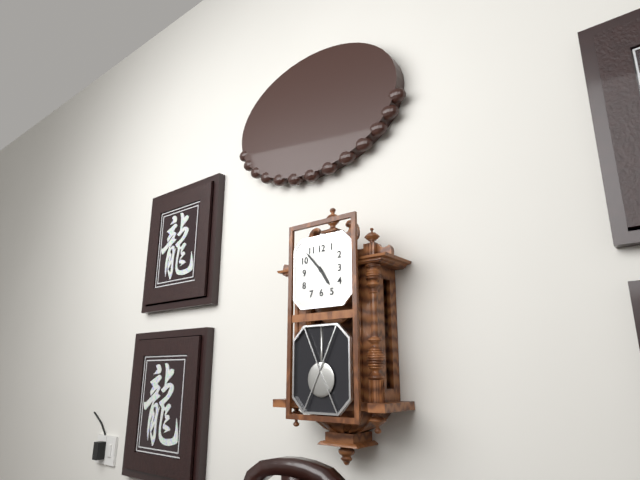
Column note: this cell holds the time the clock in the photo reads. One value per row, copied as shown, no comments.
4:53
